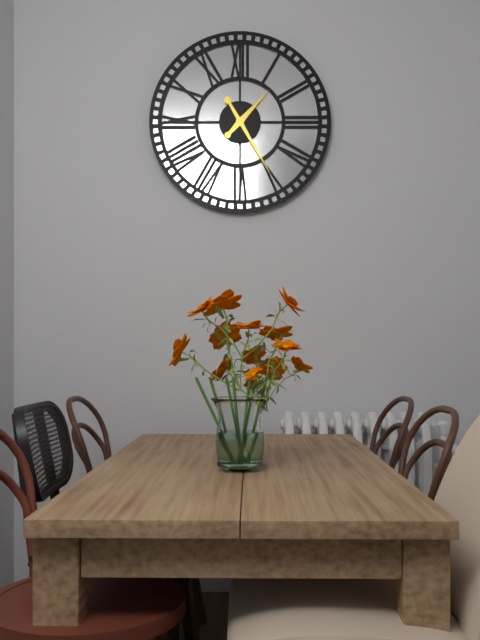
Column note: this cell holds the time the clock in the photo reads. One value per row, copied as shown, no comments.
1:25
